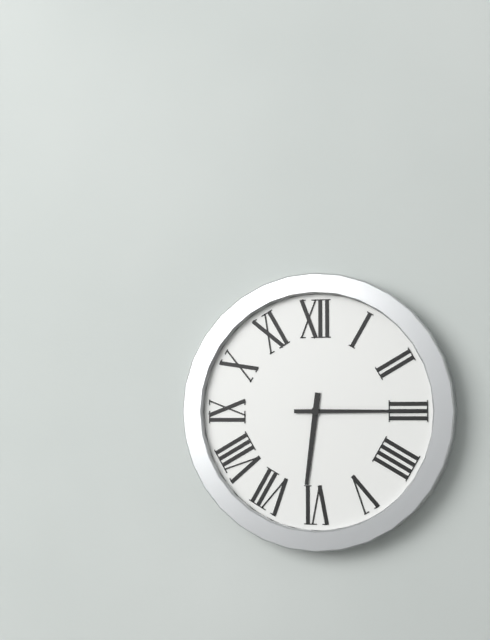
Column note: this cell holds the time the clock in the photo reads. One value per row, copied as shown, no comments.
6:15
